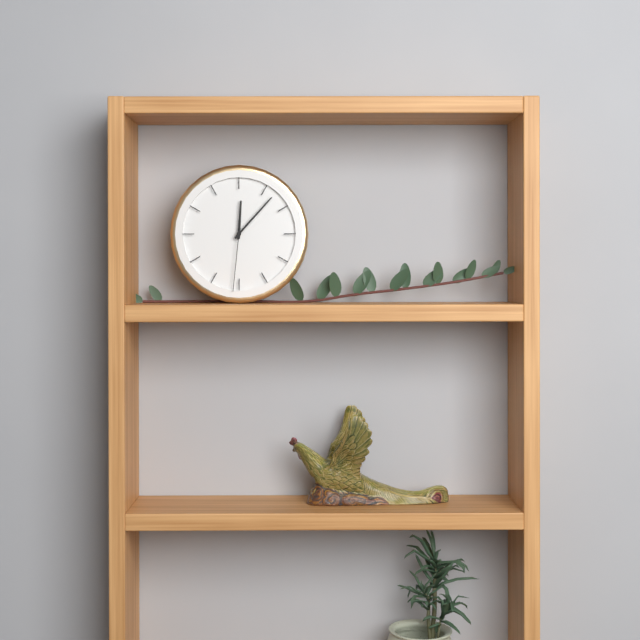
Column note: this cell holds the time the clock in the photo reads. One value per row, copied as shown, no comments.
12:07:31
